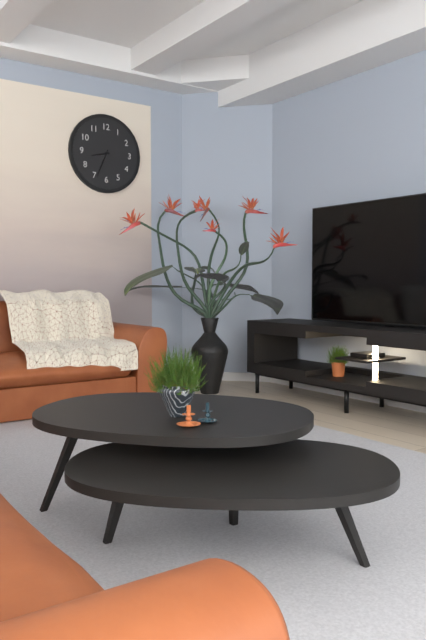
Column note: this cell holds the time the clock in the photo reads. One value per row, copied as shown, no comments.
8:34
